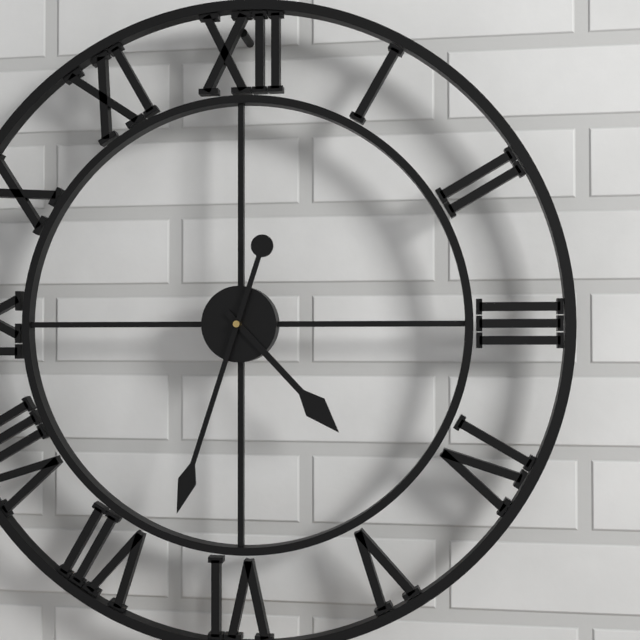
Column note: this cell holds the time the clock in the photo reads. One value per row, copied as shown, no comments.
4:33
